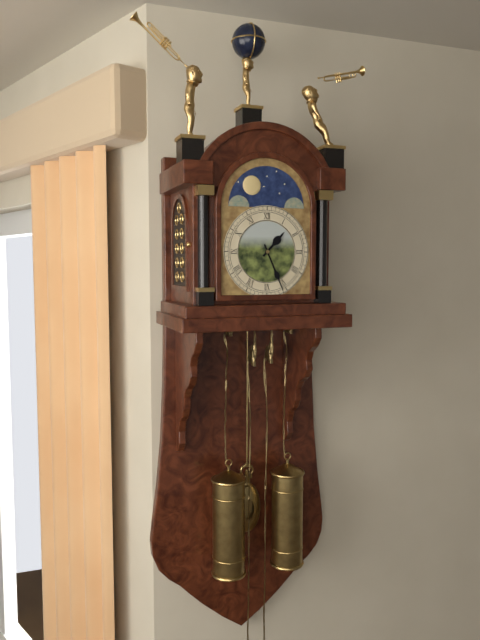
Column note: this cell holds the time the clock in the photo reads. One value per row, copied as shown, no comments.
1:26
